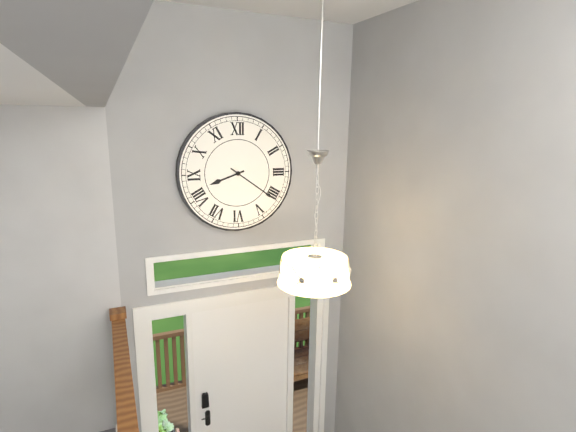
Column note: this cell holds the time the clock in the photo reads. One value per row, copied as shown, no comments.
8:21
